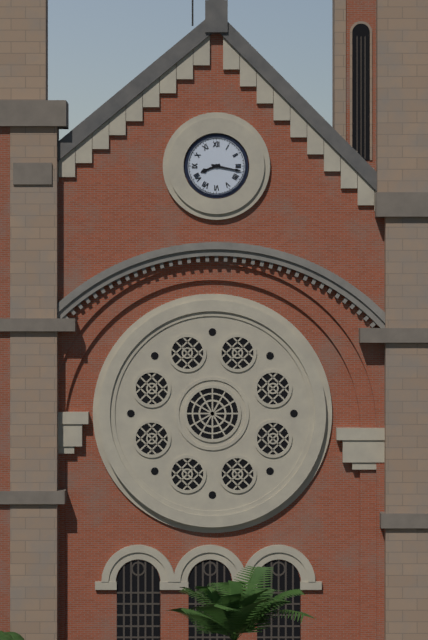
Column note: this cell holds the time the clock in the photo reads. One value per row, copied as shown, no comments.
8:17
